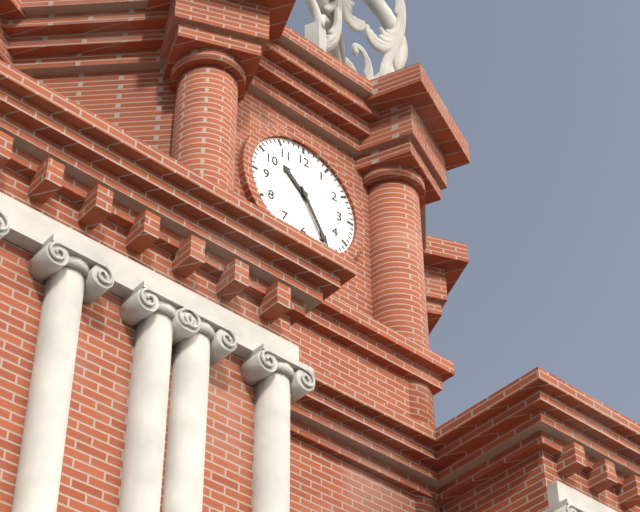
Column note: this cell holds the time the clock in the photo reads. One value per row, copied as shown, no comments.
10:25
